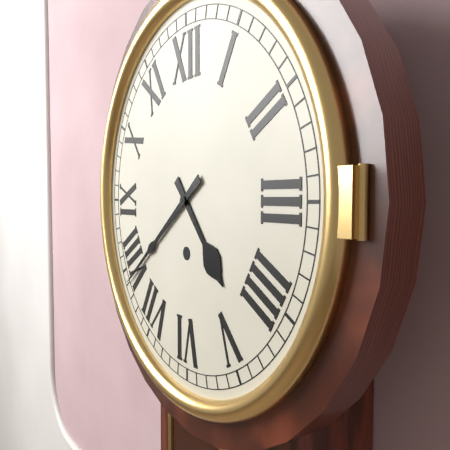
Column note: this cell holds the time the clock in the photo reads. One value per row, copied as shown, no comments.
4:39
